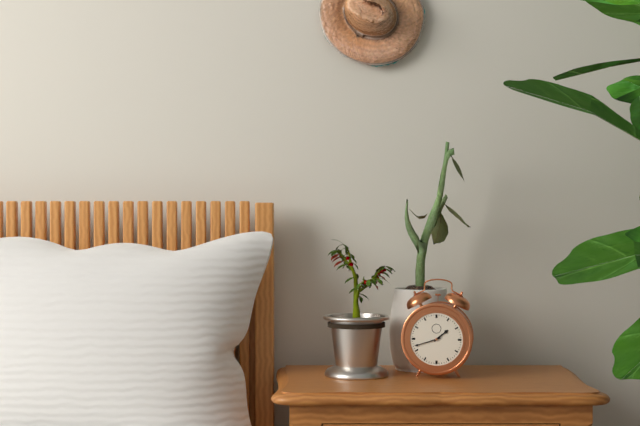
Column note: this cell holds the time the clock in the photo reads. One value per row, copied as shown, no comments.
1:42
